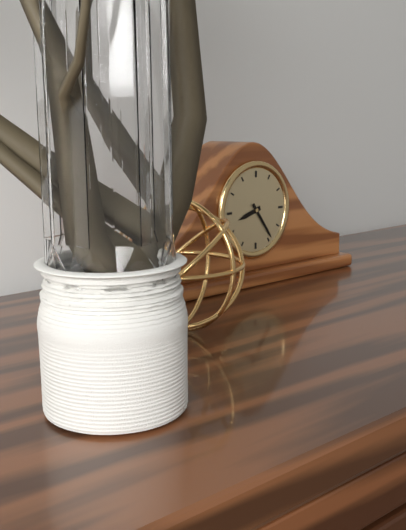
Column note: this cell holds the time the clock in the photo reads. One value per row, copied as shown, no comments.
8:24
